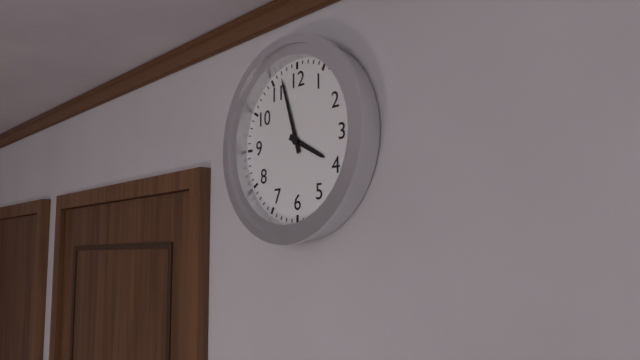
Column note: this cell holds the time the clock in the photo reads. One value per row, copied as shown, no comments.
3:57
